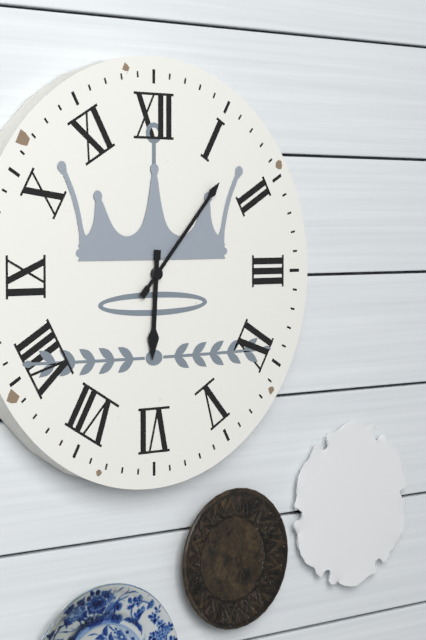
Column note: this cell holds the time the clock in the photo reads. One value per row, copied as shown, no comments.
6:07
